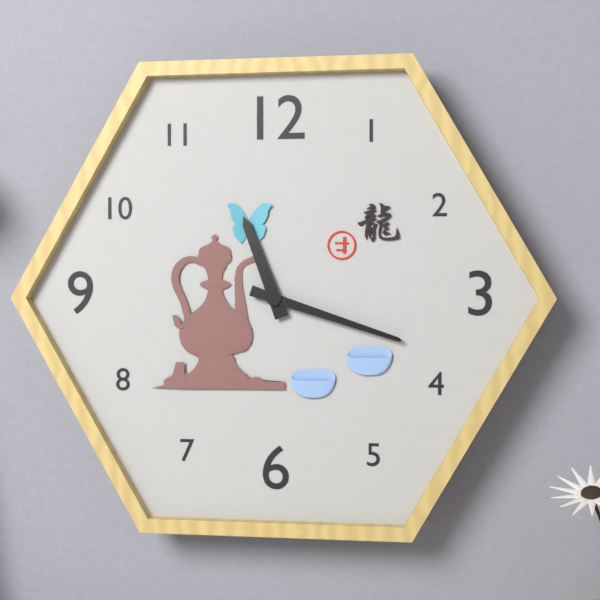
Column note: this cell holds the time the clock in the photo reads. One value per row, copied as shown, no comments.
11:18
